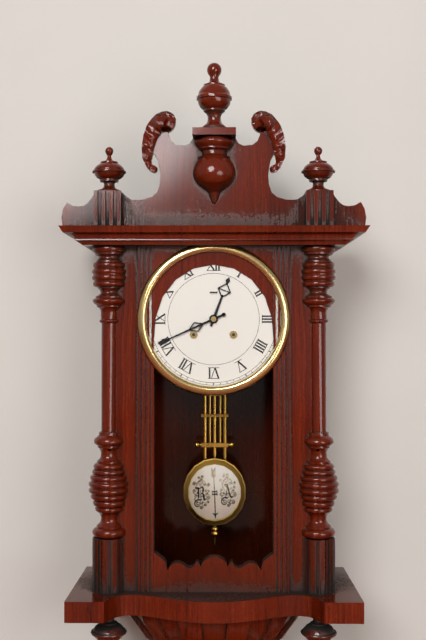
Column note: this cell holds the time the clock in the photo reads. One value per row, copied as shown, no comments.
12:41
